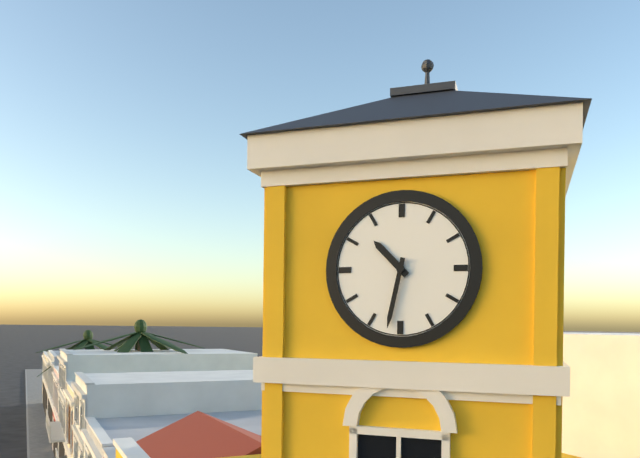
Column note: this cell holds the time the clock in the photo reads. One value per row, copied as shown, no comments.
10:32
